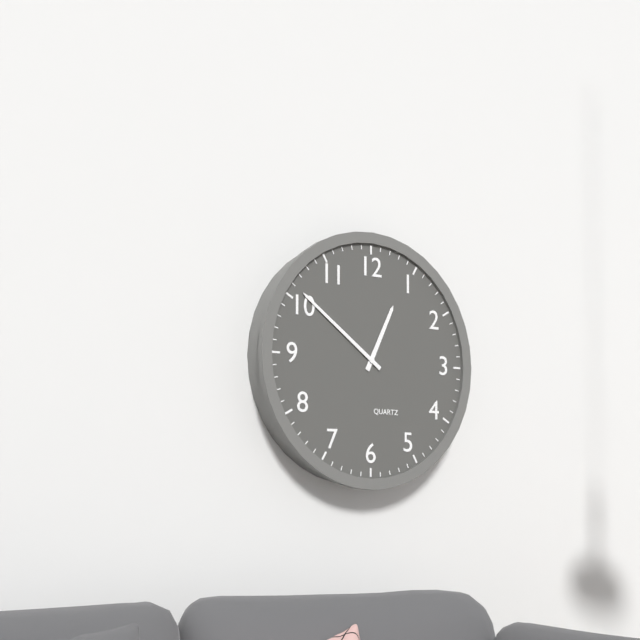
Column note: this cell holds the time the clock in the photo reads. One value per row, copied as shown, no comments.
12:51
